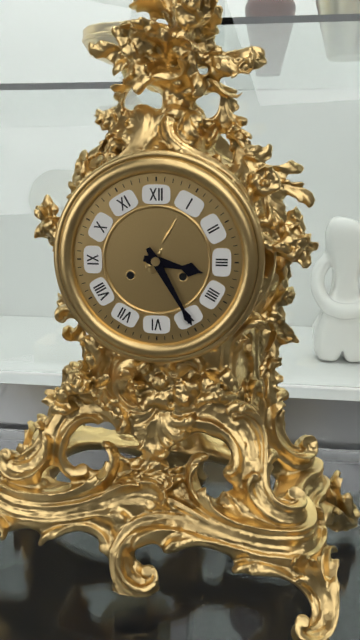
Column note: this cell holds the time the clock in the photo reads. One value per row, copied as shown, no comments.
3:25
